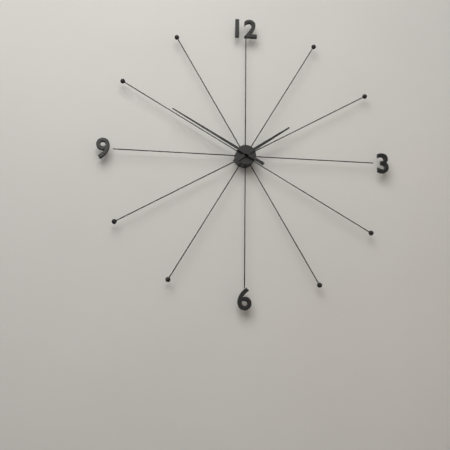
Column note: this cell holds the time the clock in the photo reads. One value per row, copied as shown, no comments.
1:50
